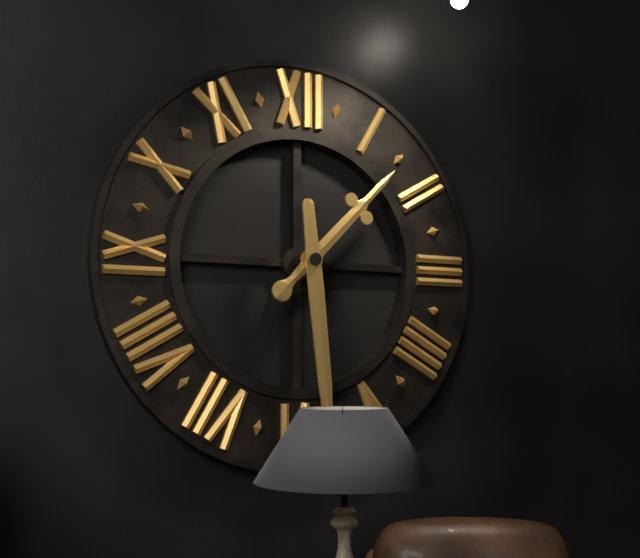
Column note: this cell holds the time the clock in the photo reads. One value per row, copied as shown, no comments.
1:29
